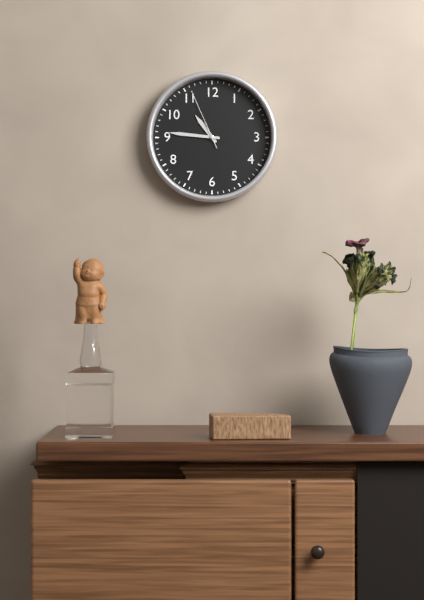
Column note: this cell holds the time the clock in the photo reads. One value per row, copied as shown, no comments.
10:46:56
